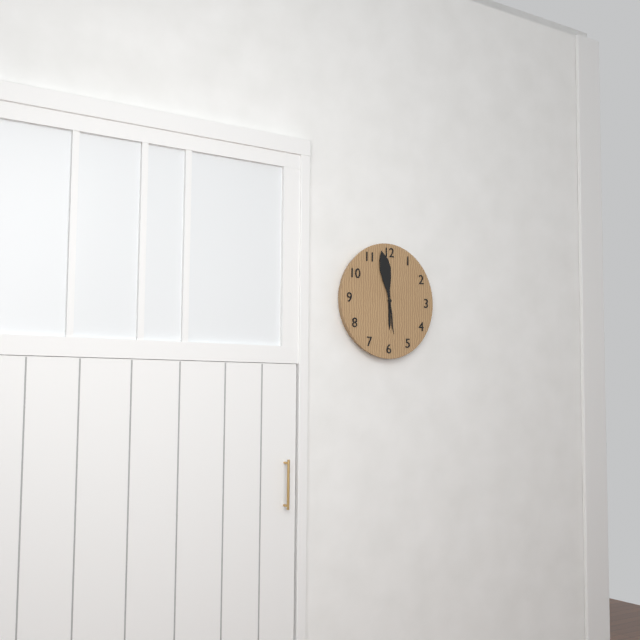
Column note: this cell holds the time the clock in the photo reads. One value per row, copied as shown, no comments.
5:58
